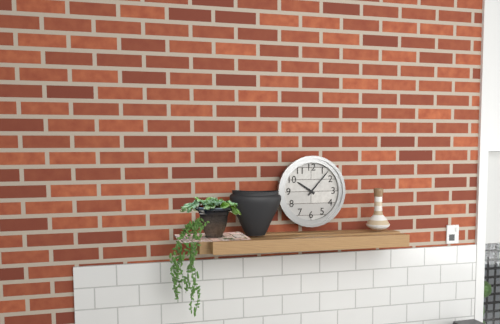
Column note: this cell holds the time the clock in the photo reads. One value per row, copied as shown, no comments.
10:07
